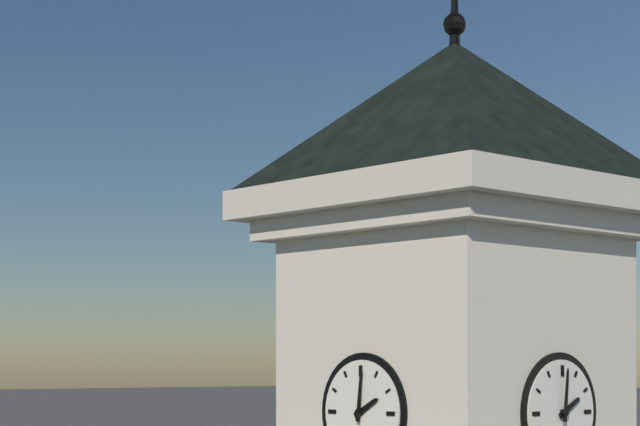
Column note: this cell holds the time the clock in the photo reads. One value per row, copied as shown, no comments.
2:01
